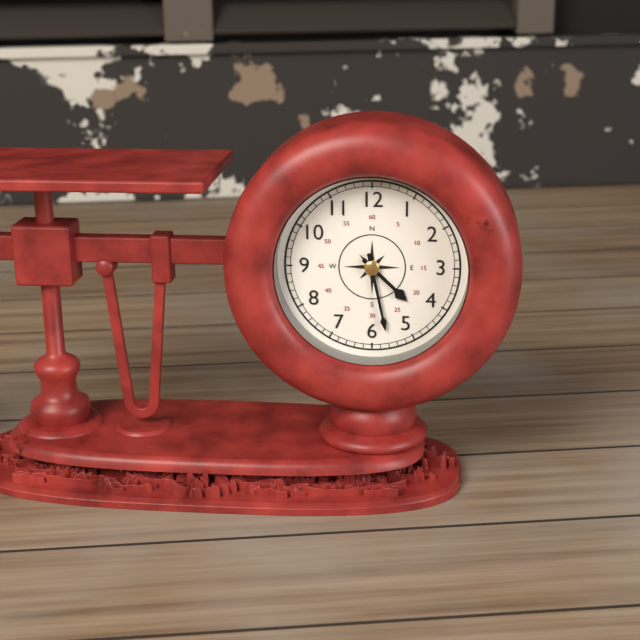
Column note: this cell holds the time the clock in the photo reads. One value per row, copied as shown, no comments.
4:28
